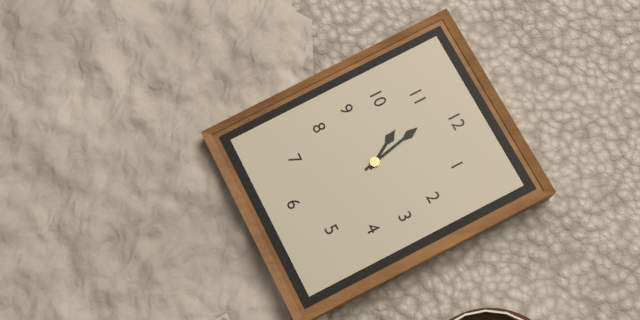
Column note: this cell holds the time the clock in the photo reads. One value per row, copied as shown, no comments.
10:58
